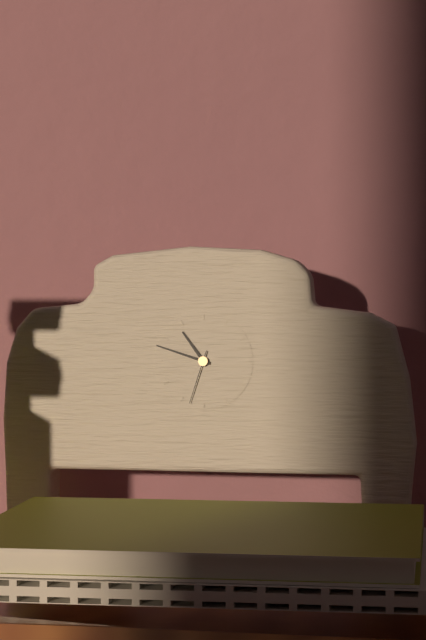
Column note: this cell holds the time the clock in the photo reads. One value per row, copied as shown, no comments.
10:48:33
